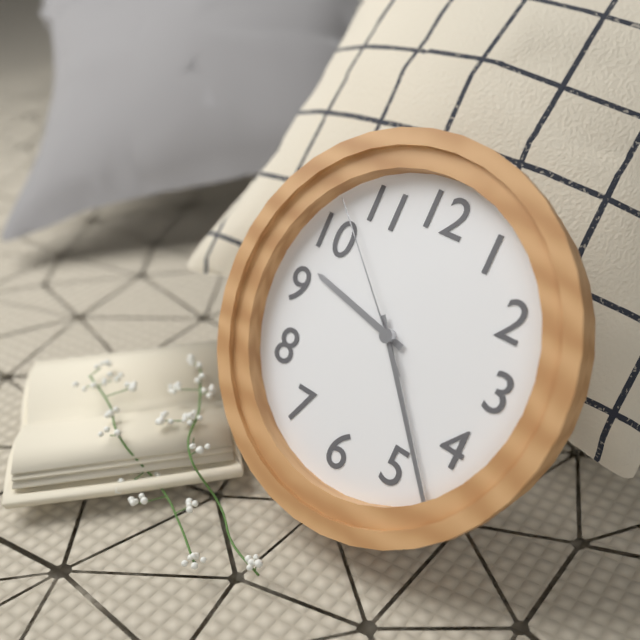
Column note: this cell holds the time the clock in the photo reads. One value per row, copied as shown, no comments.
9:23:52
